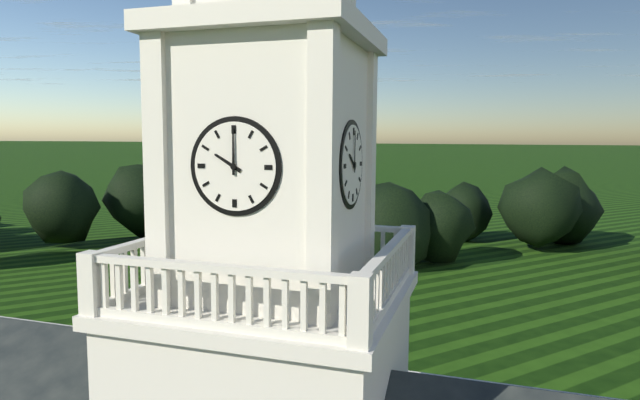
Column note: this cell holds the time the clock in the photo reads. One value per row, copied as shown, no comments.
10:00
